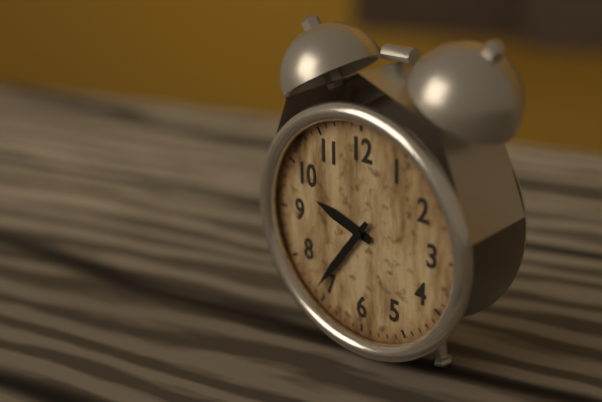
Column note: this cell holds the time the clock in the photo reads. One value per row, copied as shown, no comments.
9:36
